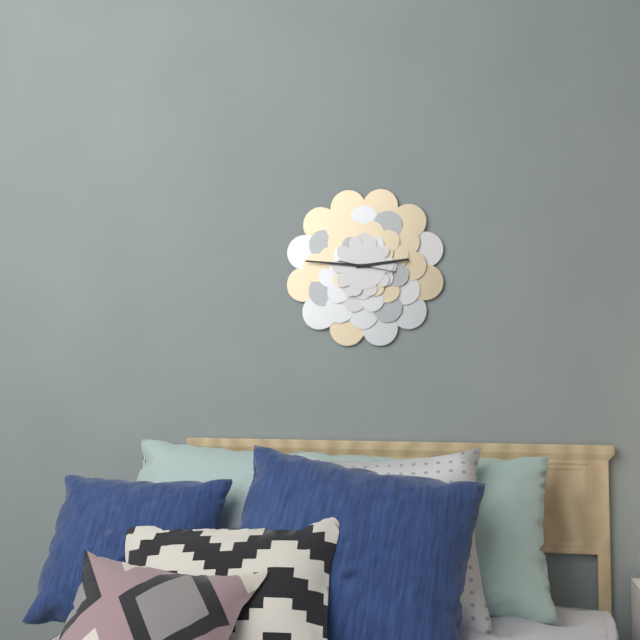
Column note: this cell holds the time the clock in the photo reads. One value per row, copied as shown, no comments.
2:46
